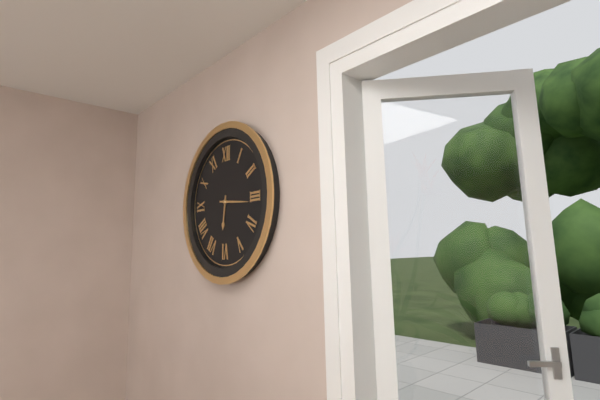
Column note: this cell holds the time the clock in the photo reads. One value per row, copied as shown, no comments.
6:16
